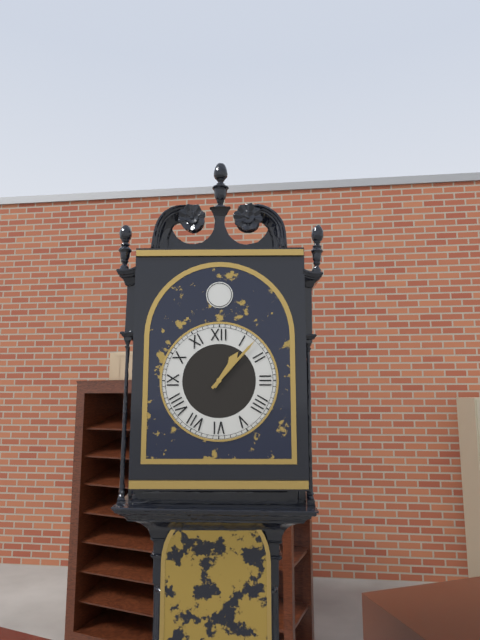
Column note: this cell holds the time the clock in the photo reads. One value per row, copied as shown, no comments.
1:07
